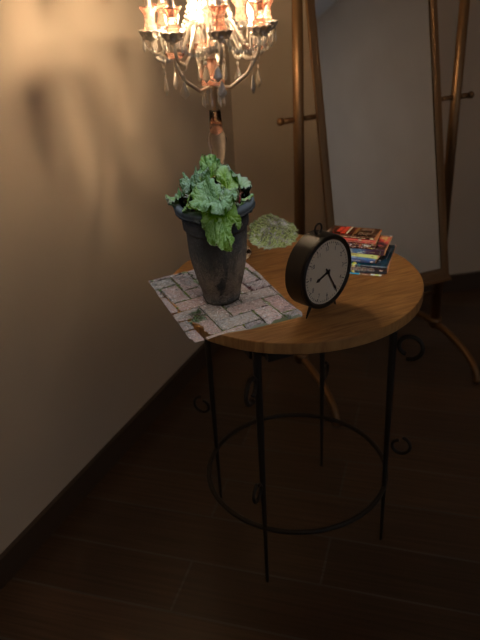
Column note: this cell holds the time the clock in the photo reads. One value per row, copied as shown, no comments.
8:25
